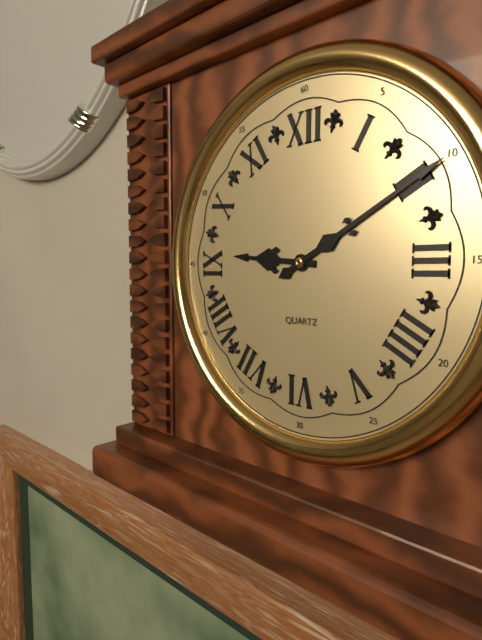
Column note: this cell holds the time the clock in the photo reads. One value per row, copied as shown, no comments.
9:10
